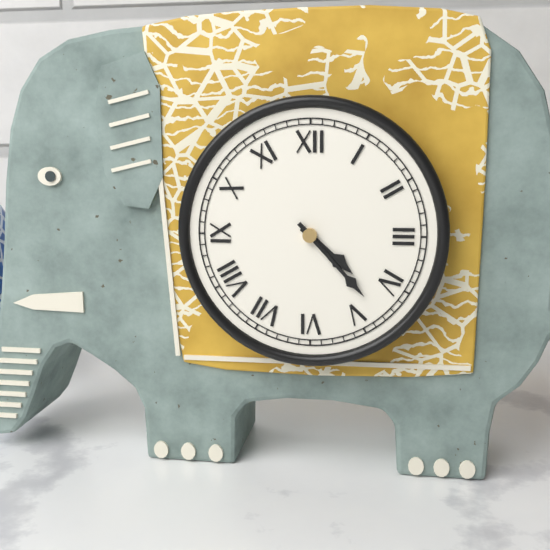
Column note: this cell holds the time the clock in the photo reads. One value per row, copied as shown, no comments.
4:23
